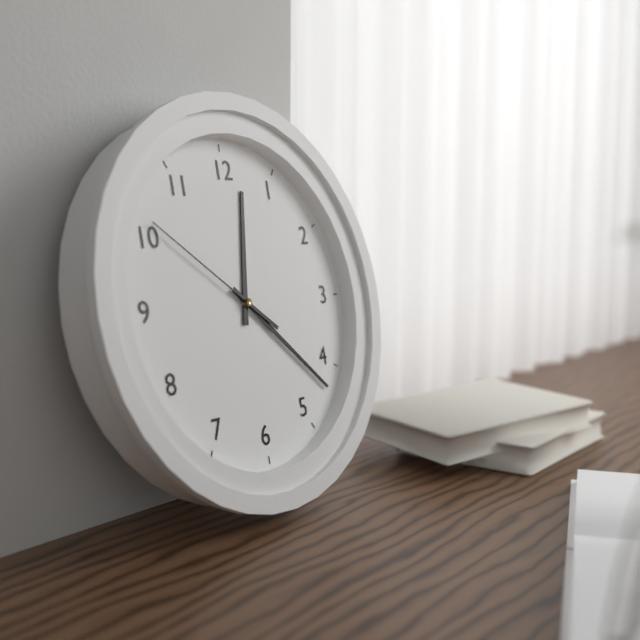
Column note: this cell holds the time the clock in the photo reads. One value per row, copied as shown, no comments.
12:22:51
